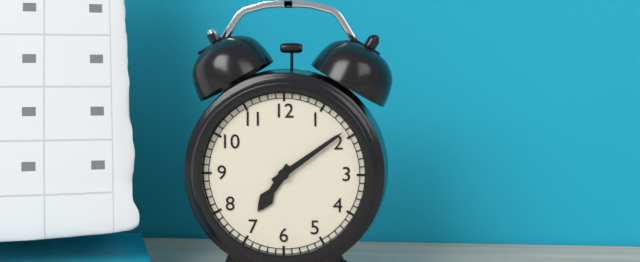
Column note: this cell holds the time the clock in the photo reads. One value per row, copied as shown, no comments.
7:09
